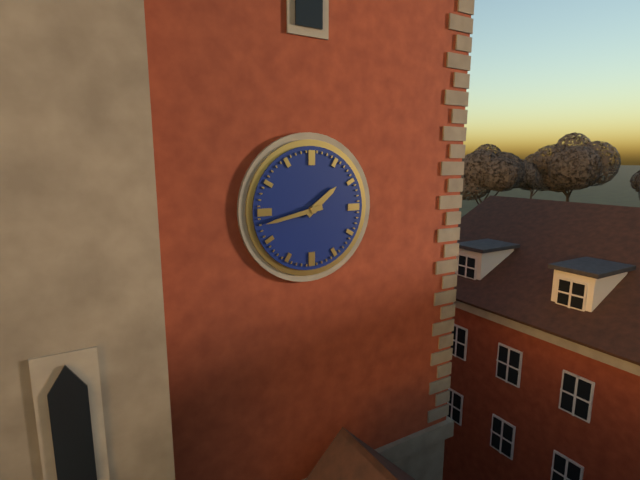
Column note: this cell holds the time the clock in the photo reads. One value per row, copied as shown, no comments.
1:43
